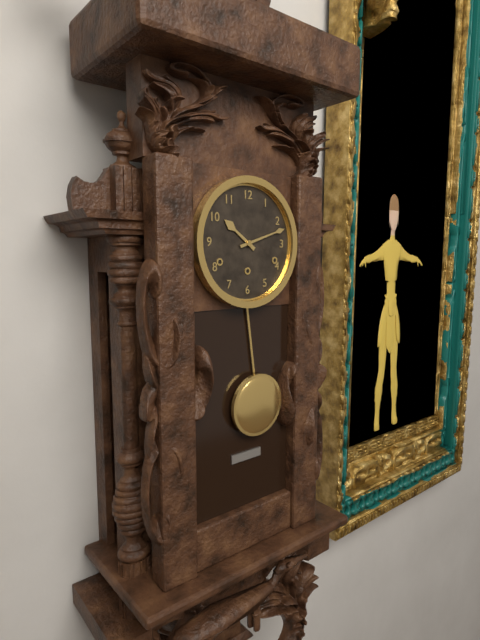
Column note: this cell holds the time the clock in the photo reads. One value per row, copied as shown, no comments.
10:12
